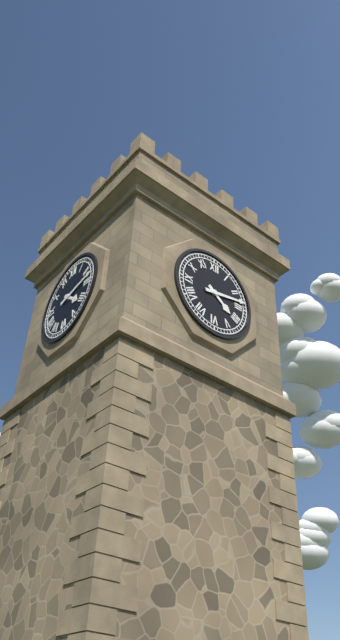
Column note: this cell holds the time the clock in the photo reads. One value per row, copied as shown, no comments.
4:13
